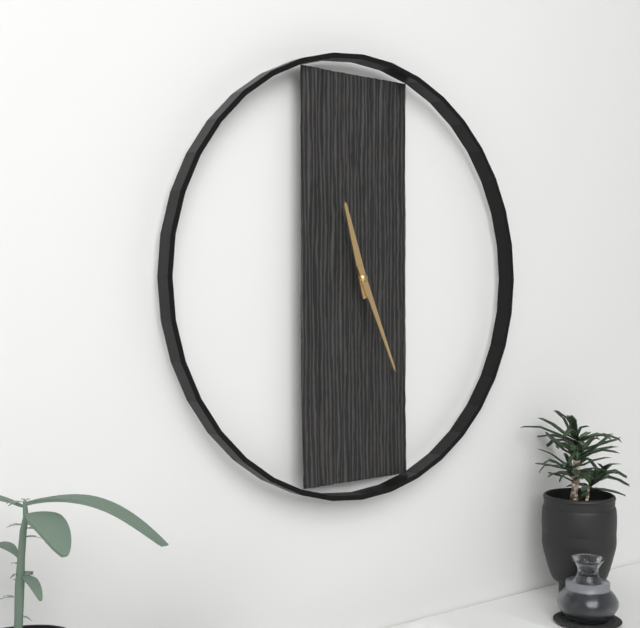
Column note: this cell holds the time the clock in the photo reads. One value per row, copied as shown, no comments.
11:26
